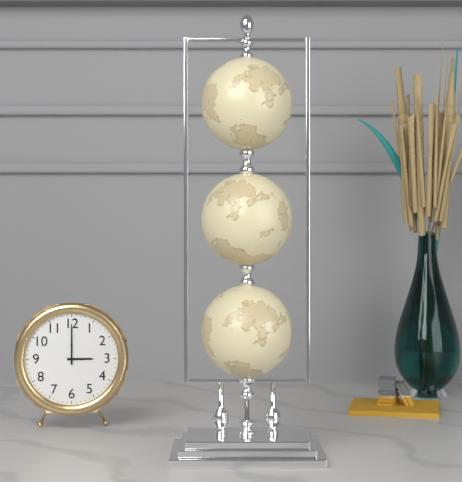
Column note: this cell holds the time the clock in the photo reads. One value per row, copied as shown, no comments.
3:00
